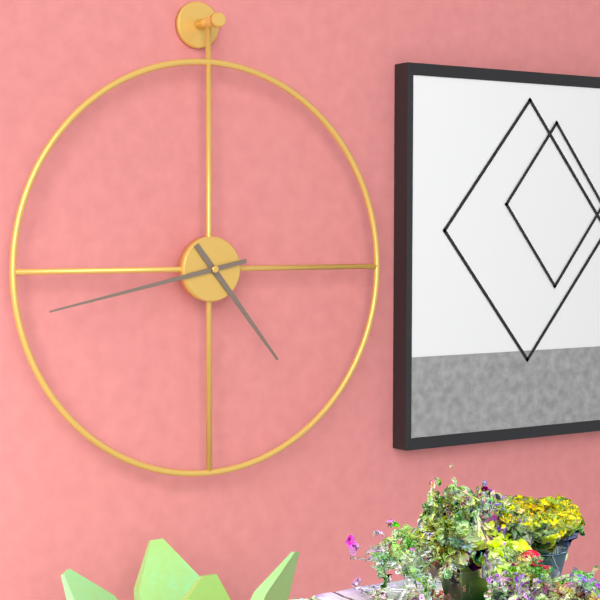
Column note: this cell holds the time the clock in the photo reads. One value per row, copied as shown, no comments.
4:43
